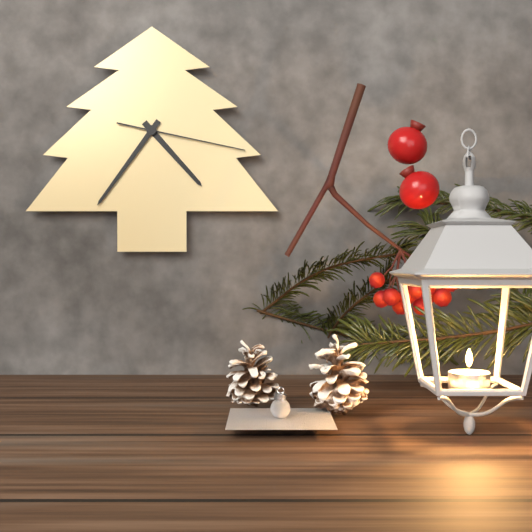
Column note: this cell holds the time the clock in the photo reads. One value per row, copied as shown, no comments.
4:36:17
